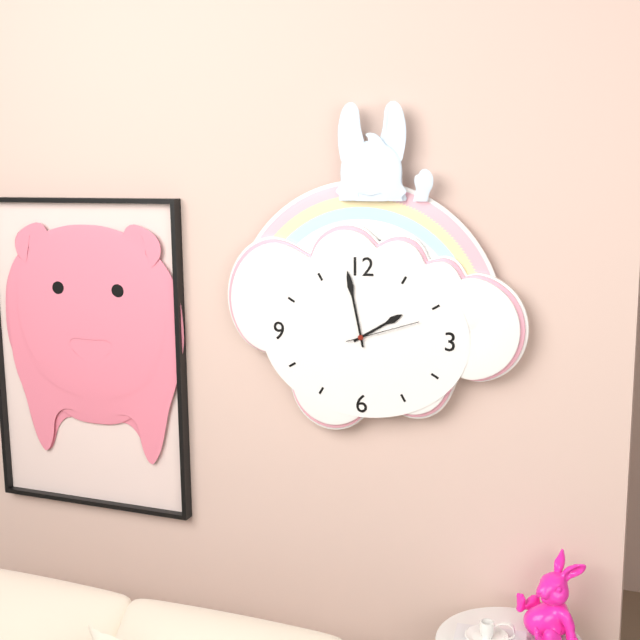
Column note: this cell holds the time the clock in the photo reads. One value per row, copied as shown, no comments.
1:58:12
